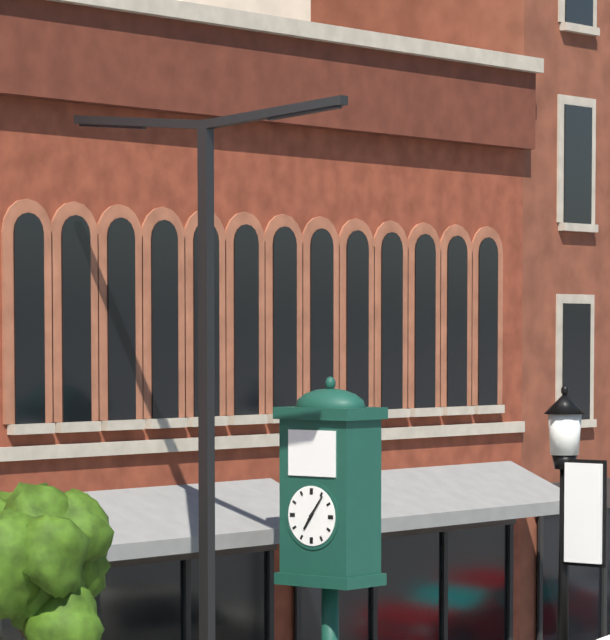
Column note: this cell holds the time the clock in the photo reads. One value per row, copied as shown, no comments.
7:06
